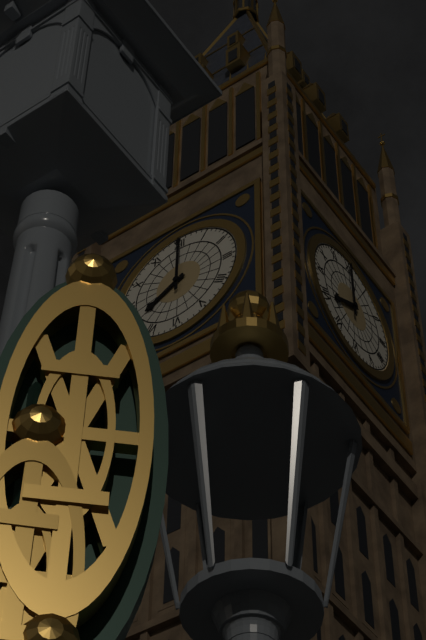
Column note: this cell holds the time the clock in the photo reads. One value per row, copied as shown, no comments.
8:00
